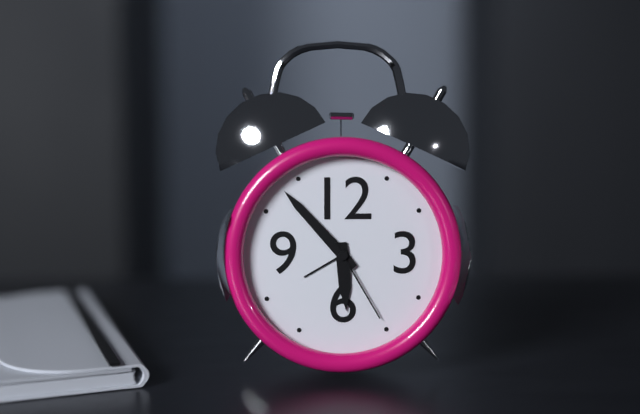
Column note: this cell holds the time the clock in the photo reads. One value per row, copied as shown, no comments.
5:53:25
